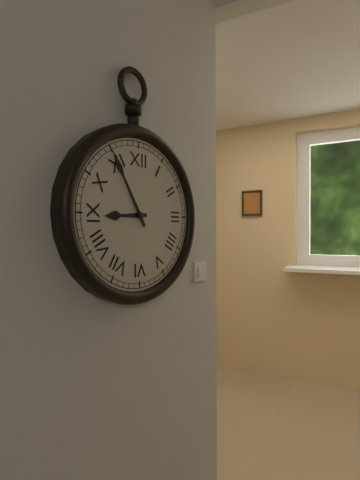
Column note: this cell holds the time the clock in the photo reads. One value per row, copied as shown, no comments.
8:55
